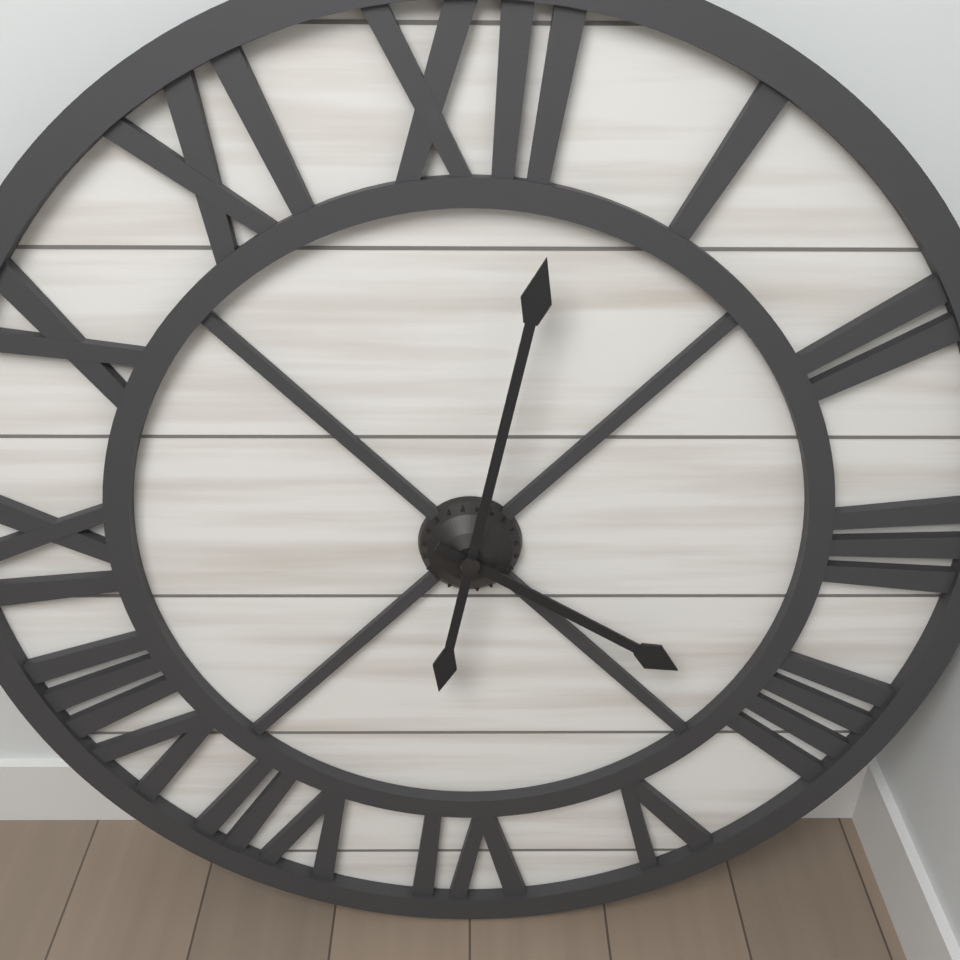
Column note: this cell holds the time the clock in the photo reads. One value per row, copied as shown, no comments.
4:02
